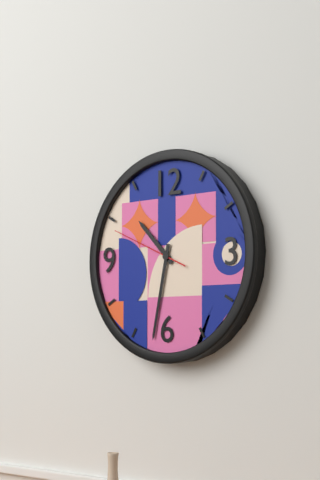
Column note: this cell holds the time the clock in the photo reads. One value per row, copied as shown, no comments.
10:32:49
